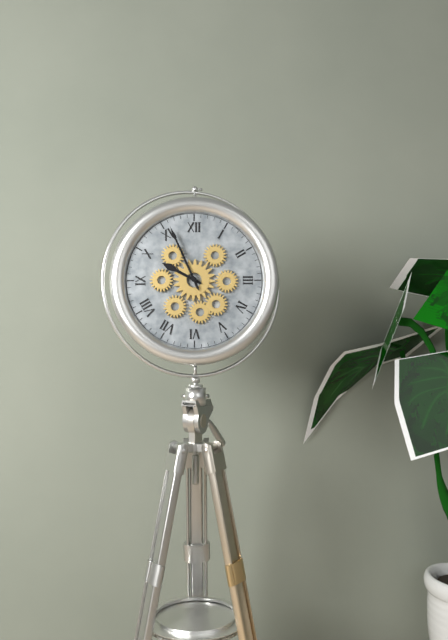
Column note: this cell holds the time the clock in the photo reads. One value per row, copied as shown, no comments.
9:56
